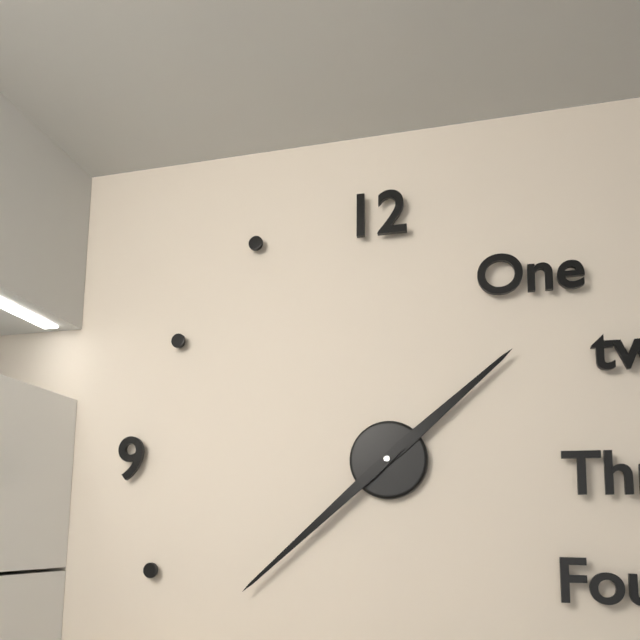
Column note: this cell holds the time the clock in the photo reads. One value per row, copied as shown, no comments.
1:38
